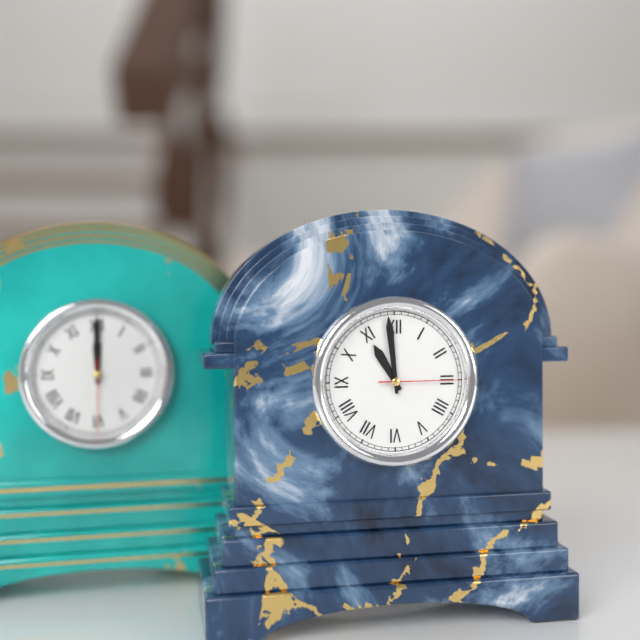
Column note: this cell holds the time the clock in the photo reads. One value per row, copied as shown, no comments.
10:59:15
